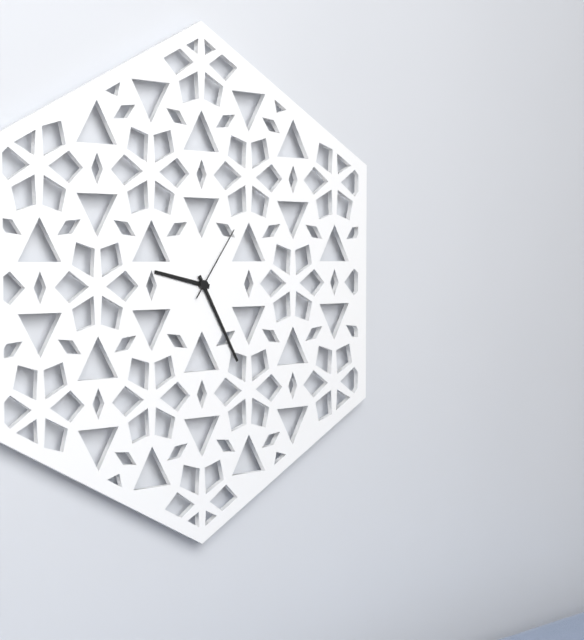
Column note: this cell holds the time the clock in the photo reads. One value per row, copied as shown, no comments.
9:25:06
